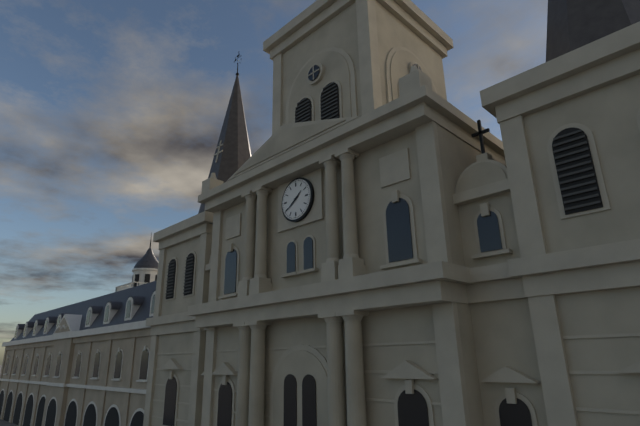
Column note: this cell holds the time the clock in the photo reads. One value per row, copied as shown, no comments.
1:39
